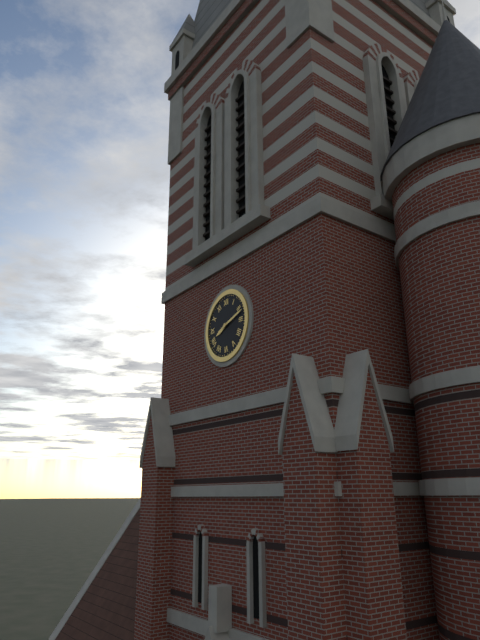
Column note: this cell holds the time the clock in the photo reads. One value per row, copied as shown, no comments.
8:12
